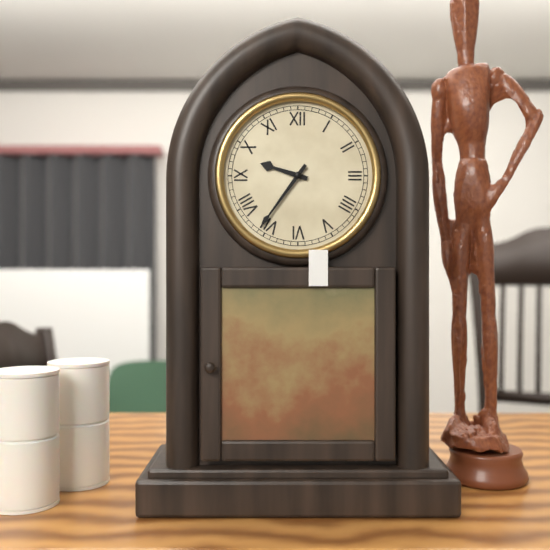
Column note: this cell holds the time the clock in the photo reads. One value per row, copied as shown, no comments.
9:36
